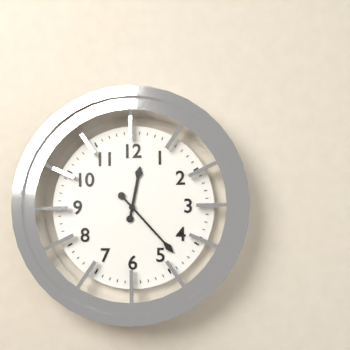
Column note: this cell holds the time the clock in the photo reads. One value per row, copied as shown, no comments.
12:23
